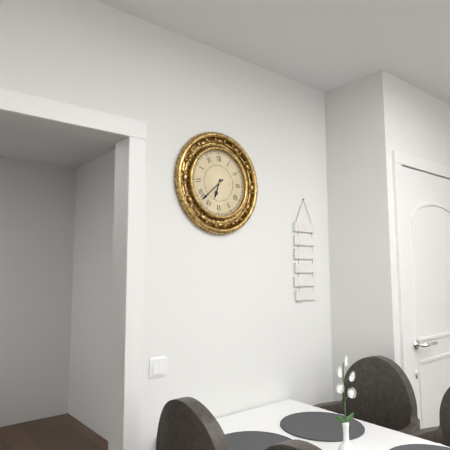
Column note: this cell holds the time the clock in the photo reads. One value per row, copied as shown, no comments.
6:38
